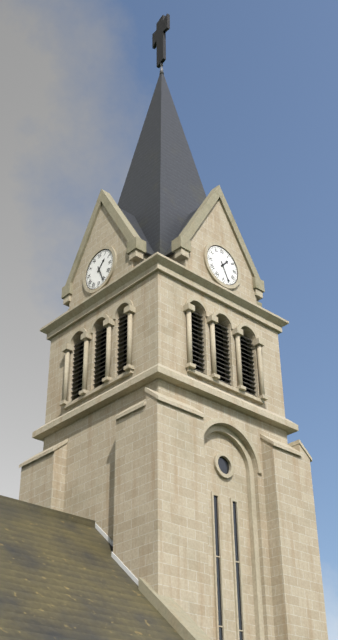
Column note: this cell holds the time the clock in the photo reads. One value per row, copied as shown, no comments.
1:26
